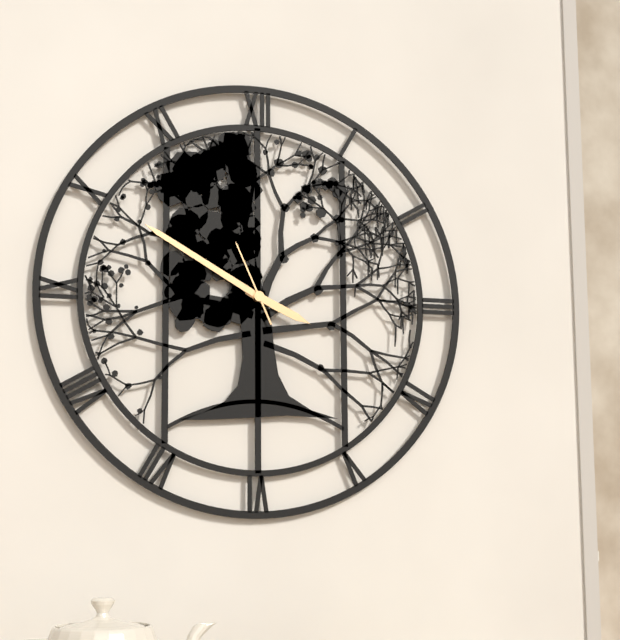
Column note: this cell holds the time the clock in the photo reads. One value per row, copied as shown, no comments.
3:50:56
